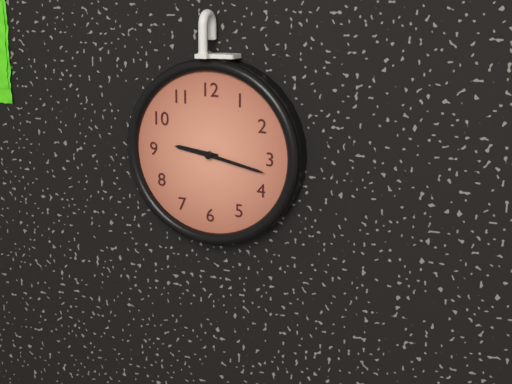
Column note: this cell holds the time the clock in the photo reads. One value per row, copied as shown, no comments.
9:17
